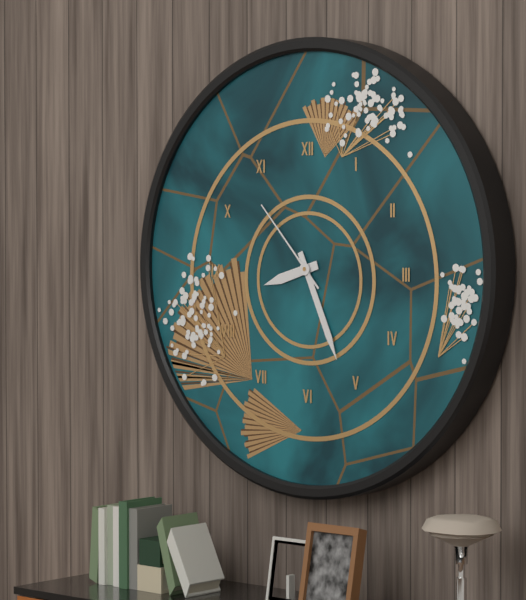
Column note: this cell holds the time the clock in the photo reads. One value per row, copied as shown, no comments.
8:26:53
